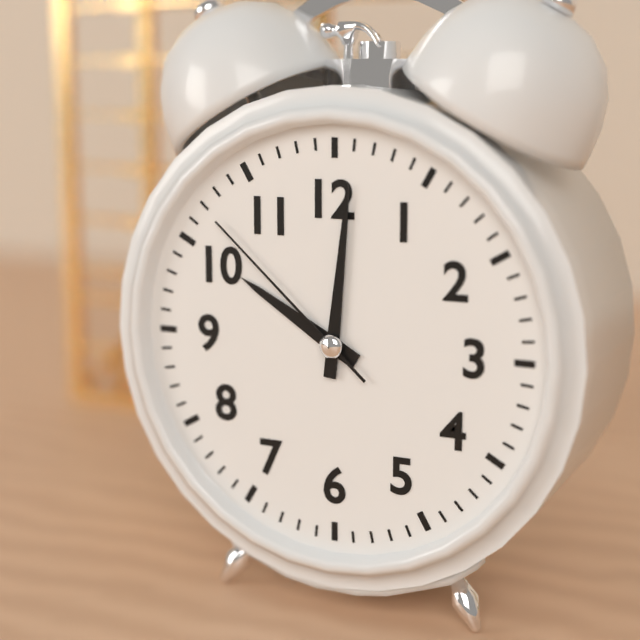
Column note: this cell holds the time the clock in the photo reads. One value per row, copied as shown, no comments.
10:01:52
